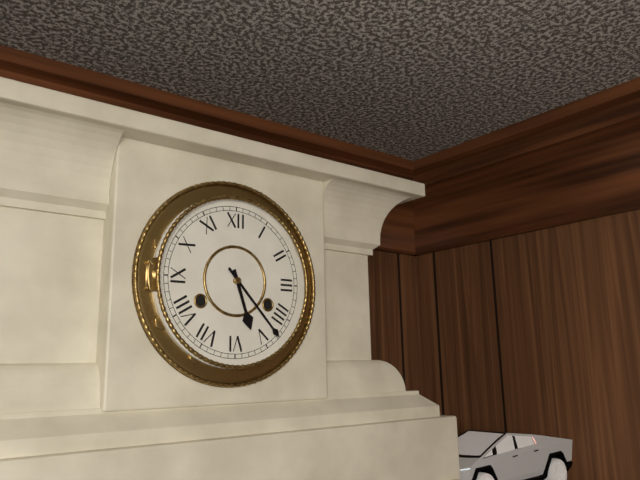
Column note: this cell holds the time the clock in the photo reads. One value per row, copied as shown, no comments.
5:23
